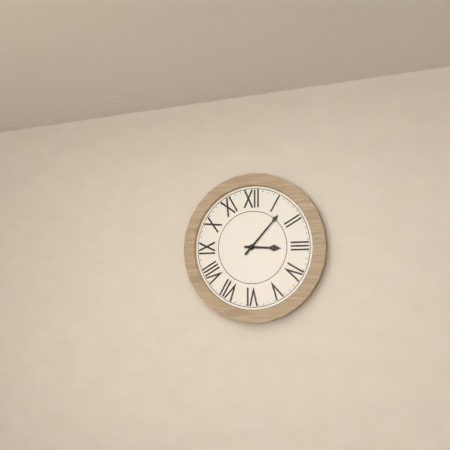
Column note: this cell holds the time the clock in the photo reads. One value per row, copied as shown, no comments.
3:07
